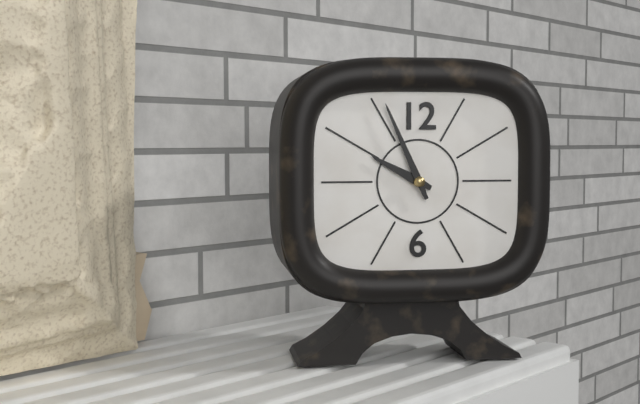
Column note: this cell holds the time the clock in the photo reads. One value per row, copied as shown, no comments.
9:56
